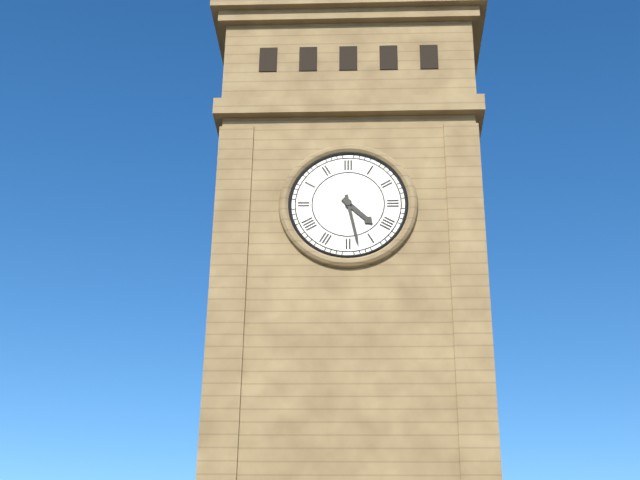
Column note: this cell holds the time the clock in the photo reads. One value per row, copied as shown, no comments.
4:28
